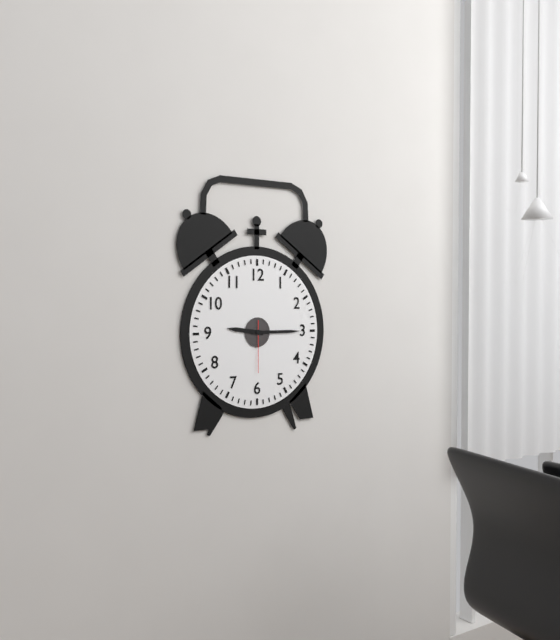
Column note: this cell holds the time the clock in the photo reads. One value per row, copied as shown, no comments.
9:15:30
